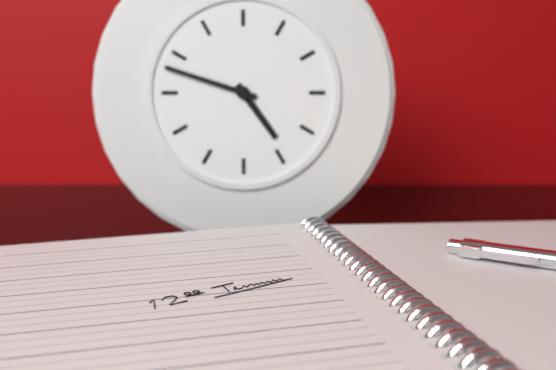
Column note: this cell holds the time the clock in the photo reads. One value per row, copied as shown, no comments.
4:48
